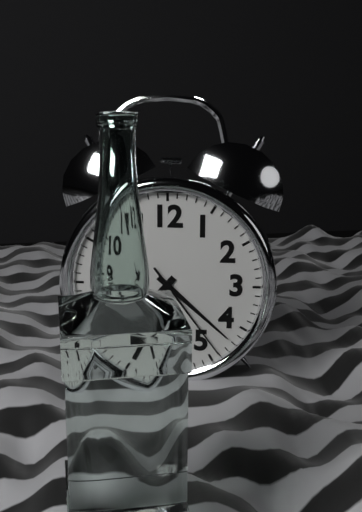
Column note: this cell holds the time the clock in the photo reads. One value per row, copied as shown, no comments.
7:22:24
